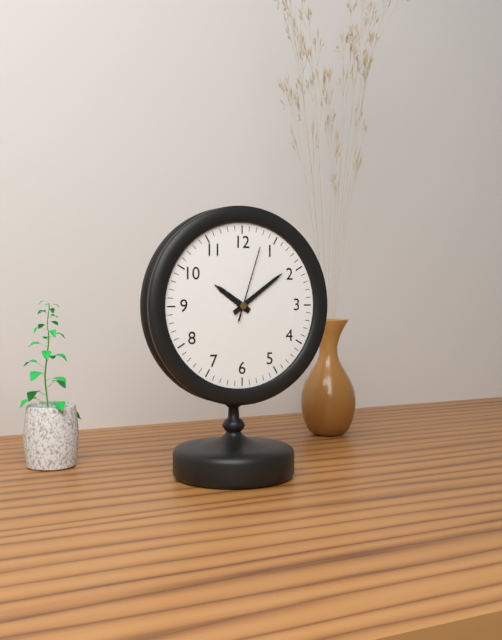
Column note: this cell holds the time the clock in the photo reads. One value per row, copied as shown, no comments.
10:09:03
